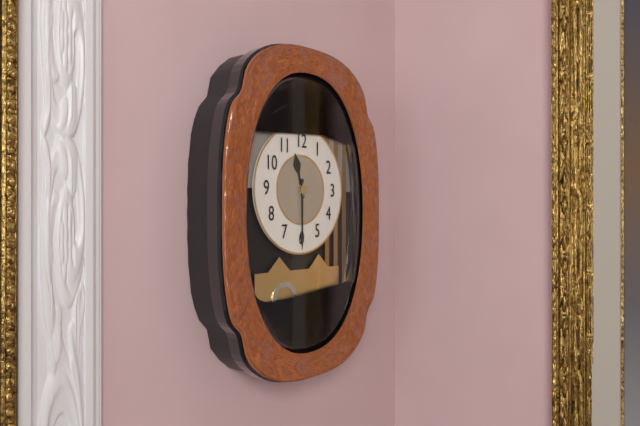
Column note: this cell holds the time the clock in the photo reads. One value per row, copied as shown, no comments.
11:30
